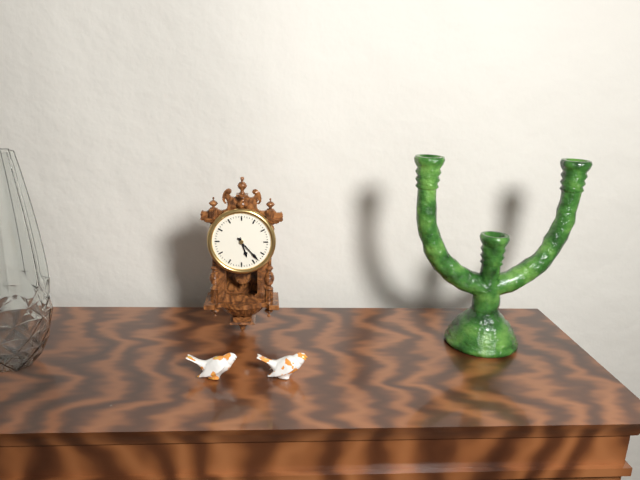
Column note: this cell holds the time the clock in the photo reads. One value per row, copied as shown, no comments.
5:23
